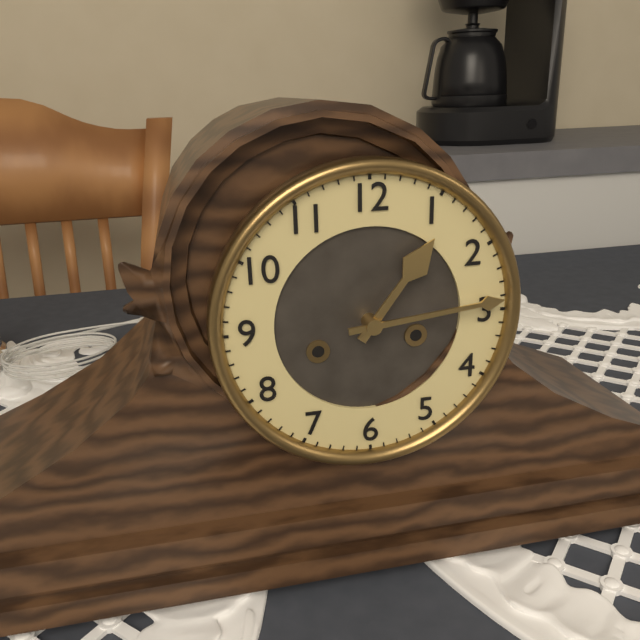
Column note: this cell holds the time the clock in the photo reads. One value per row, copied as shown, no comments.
1:14
